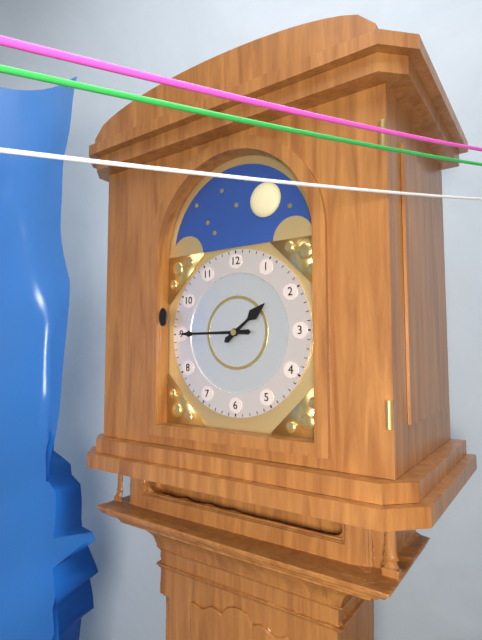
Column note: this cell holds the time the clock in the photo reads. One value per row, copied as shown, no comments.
1:45
